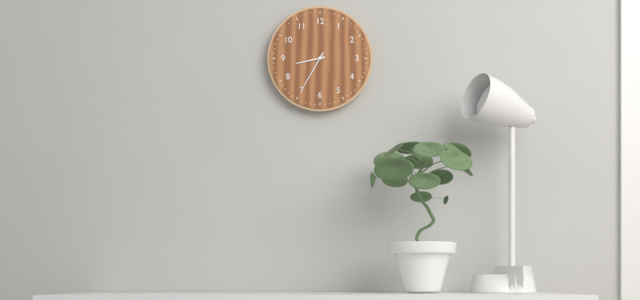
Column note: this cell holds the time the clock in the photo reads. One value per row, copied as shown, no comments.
8:35
